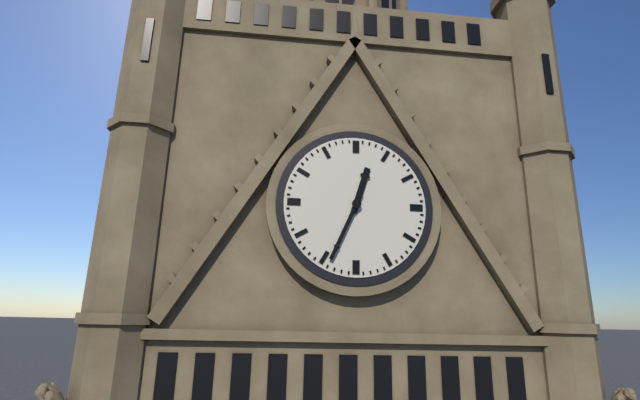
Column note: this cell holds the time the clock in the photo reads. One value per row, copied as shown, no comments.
12:34
